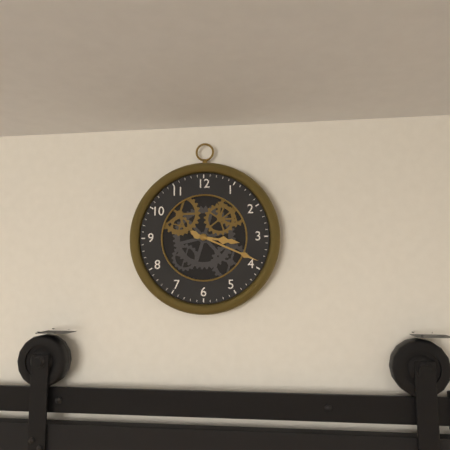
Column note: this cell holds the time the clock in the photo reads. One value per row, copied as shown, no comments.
3:19
